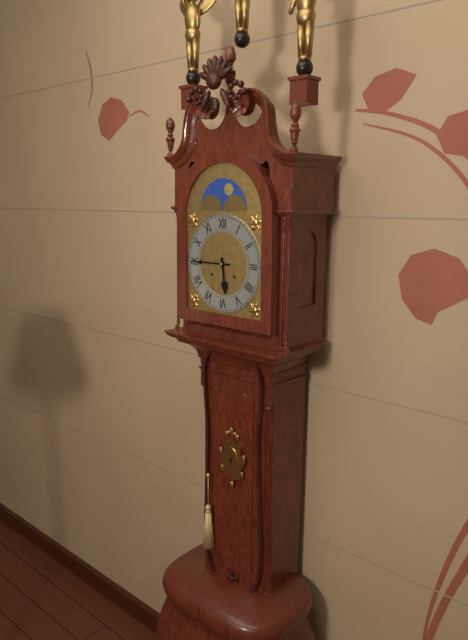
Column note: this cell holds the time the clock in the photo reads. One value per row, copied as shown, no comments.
5:45
